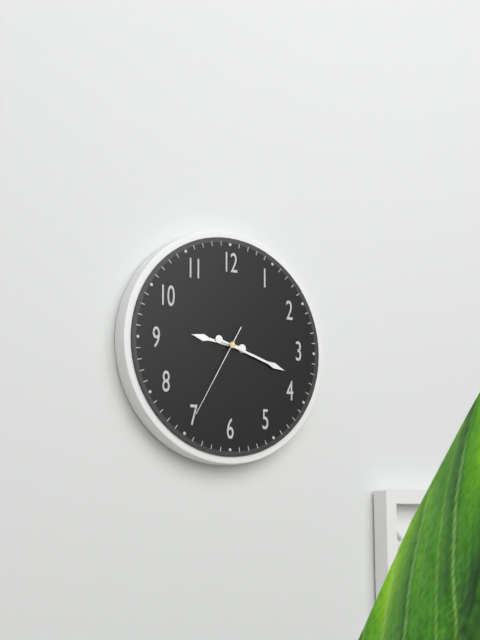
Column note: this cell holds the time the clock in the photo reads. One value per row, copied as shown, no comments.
9:18:35
